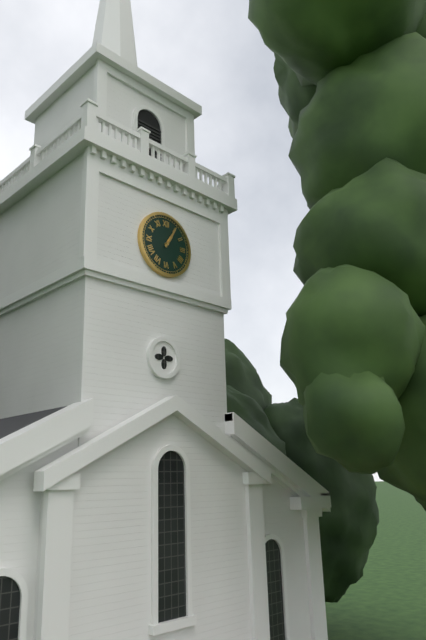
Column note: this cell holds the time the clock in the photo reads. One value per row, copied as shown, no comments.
1:05
